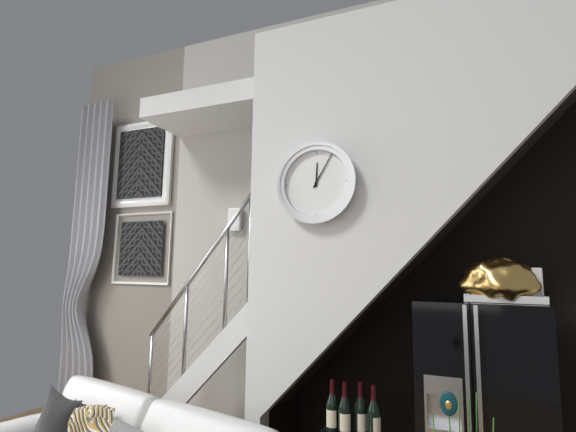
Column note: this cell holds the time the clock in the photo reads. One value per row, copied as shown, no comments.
12:05
